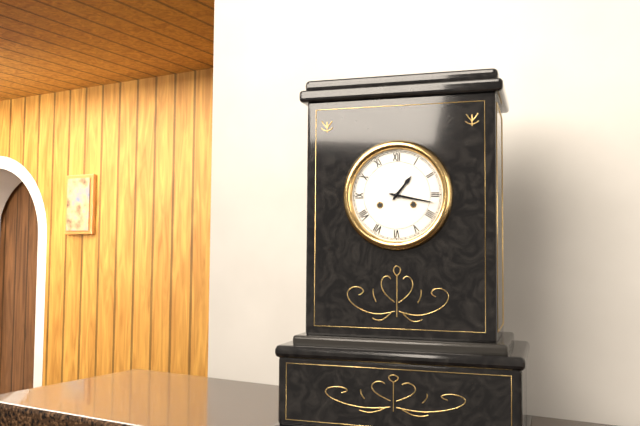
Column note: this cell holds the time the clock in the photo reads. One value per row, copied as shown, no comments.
1:17
